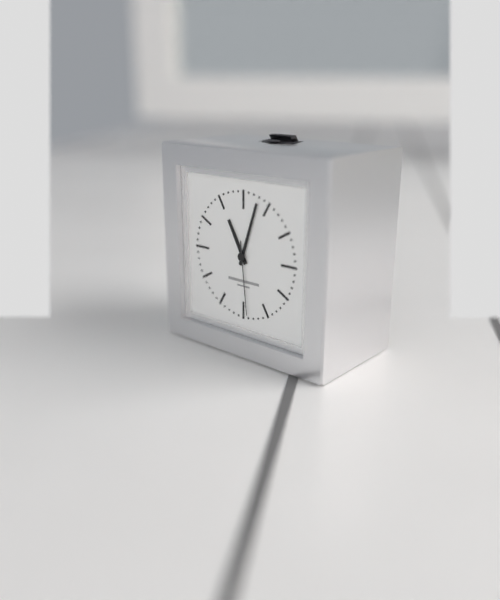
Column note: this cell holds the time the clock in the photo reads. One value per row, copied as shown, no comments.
11:03:29
